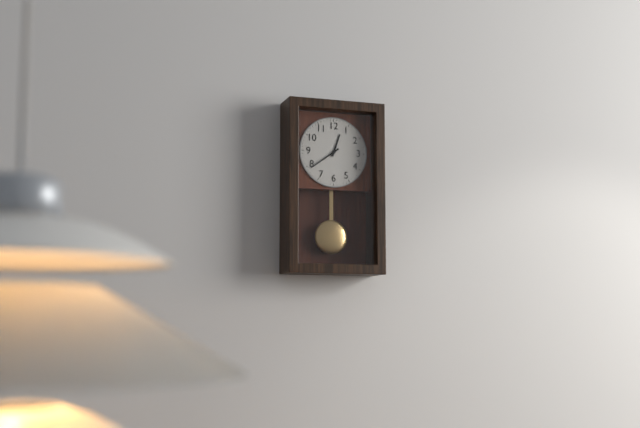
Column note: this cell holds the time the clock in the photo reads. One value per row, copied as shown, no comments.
12:39
